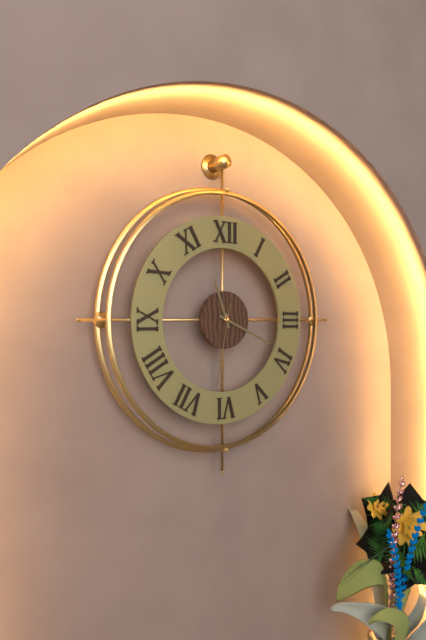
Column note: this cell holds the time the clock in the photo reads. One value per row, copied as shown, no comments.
11:19:32
